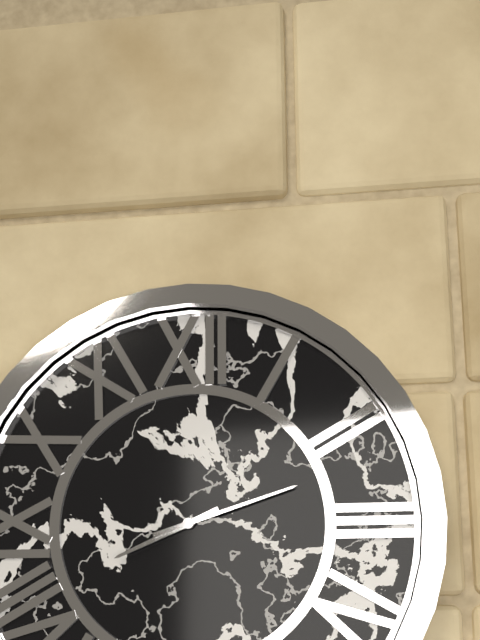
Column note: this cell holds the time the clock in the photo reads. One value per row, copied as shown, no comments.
8:12
